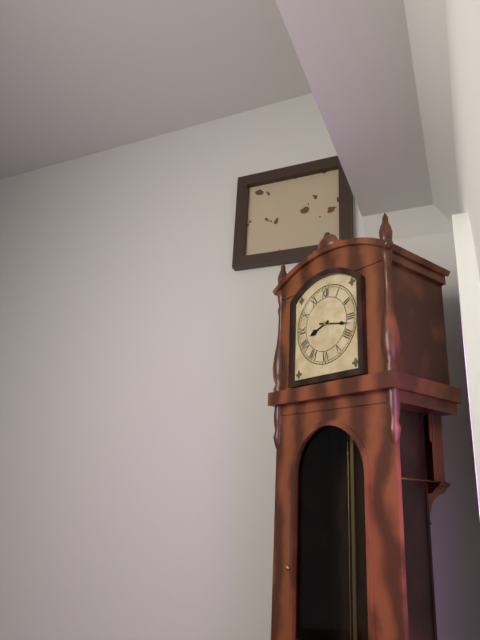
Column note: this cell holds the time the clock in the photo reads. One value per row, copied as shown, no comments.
8:17
